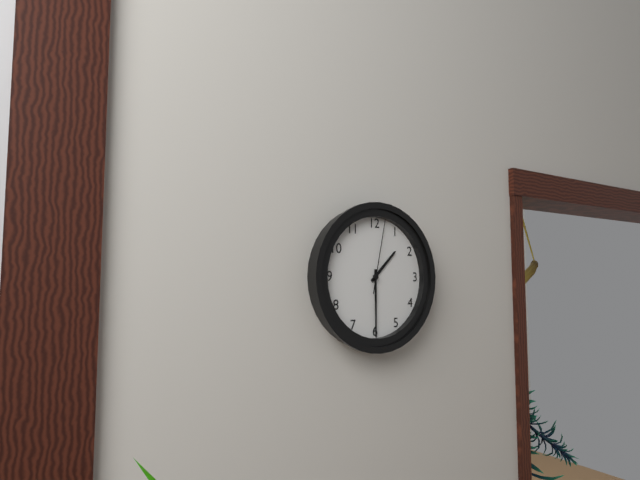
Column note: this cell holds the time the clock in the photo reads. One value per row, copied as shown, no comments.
1:30:02
